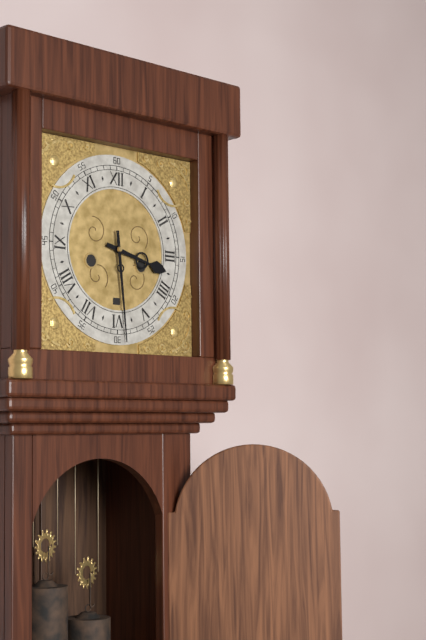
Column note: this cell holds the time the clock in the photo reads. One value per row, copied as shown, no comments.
3:29
